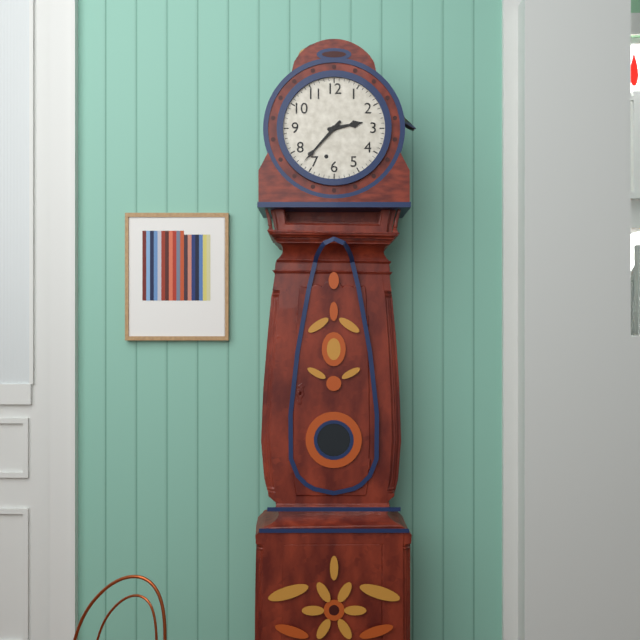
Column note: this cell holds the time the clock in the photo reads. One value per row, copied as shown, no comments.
2:37
